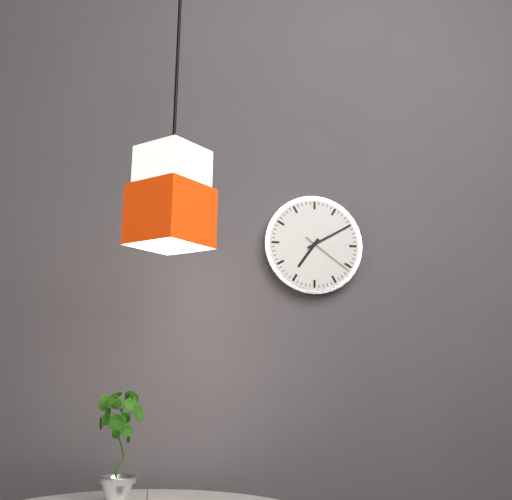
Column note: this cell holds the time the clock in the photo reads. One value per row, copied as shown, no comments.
7:10:21
